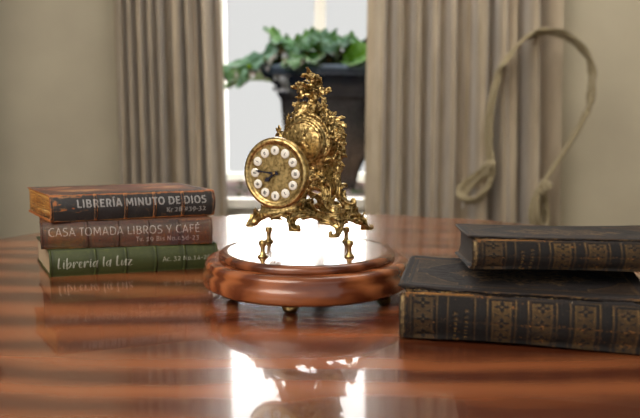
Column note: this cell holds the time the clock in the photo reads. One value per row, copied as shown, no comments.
7:46
